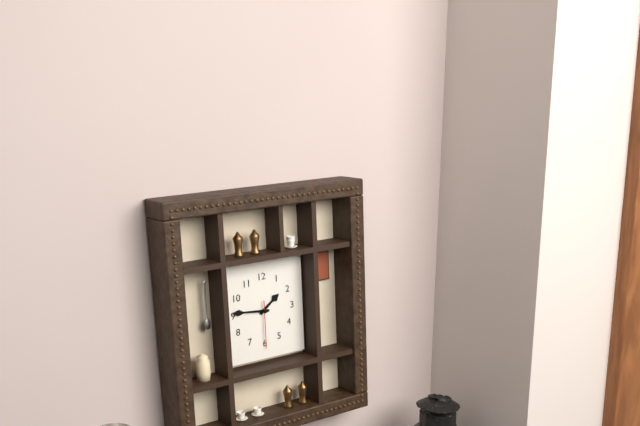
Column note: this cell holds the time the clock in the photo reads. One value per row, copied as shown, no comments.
1:46
